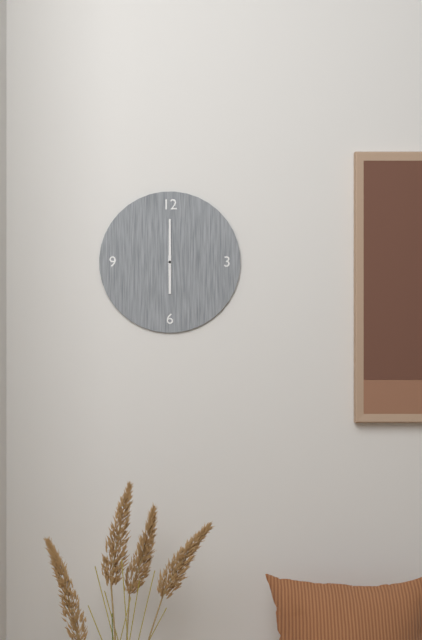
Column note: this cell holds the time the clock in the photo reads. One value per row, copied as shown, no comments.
6:00
